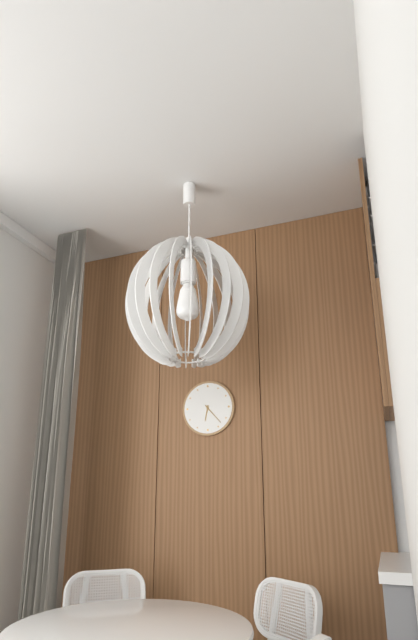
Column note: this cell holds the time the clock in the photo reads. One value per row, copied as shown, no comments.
6:23
